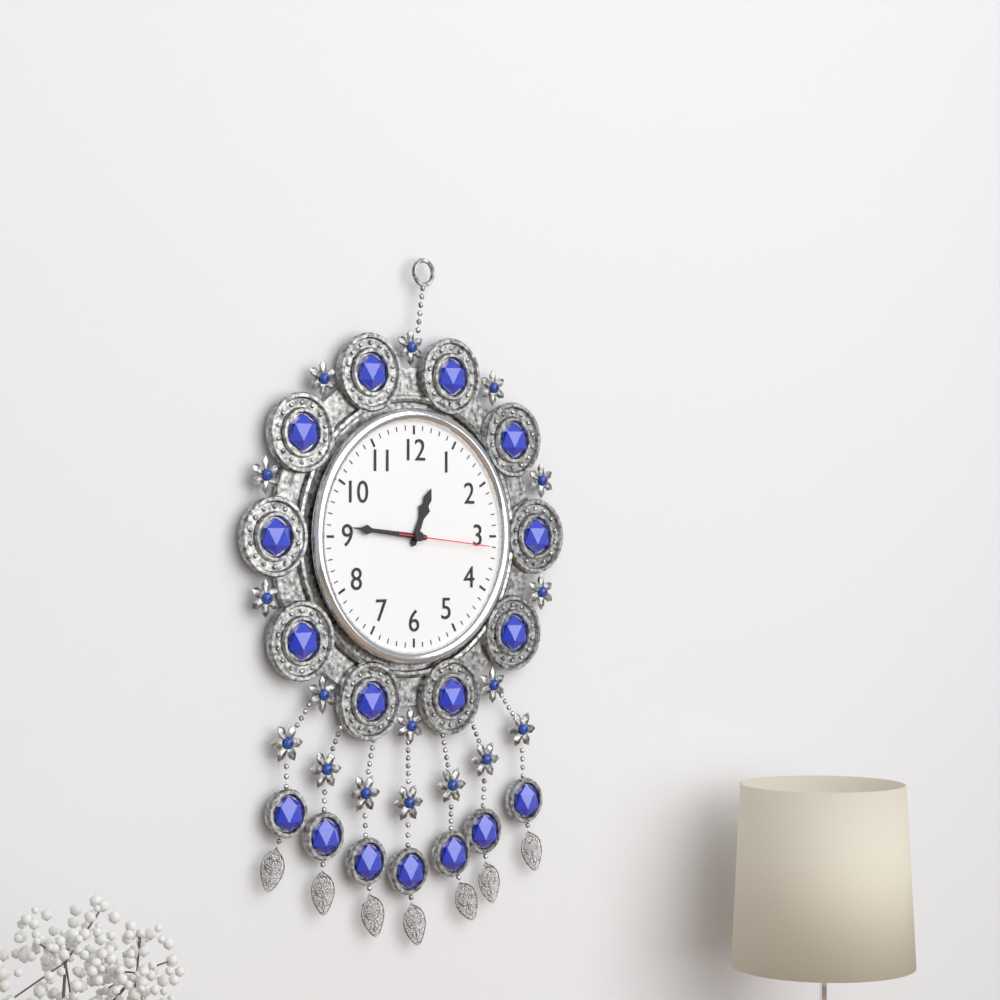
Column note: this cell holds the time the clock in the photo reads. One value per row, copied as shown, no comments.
12:46:16
